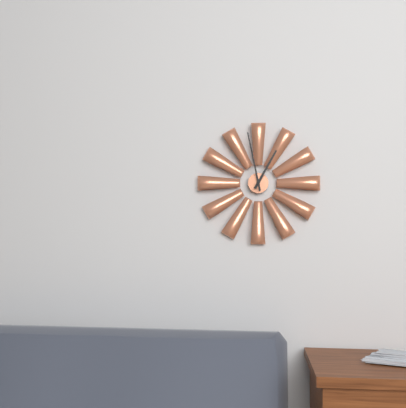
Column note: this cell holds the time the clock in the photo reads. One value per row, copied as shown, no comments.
12:58
